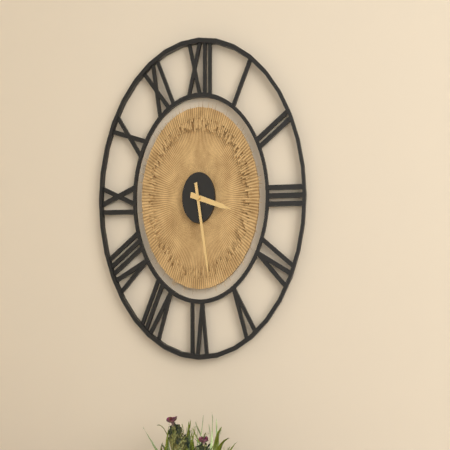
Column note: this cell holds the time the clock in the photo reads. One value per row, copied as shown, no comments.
3:28
